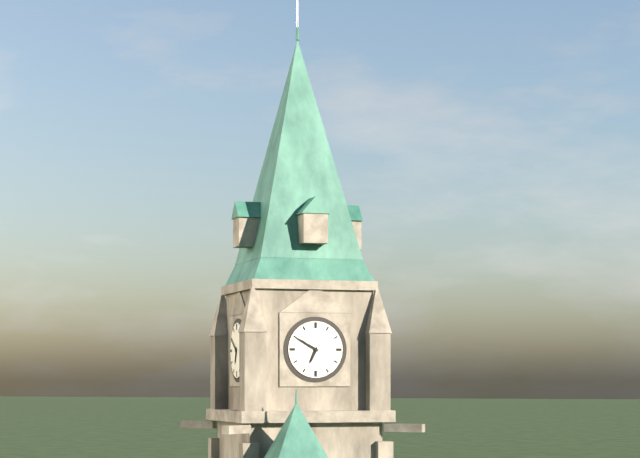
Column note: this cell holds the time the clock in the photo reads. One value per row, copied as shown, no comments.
6:50
